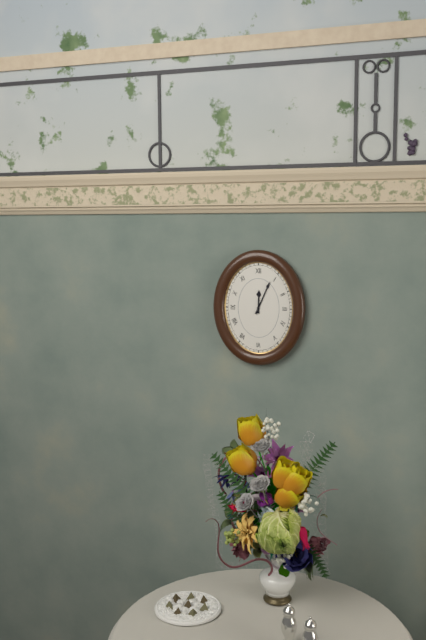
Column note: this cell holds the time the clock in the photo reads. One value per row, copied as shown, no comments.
12:04
